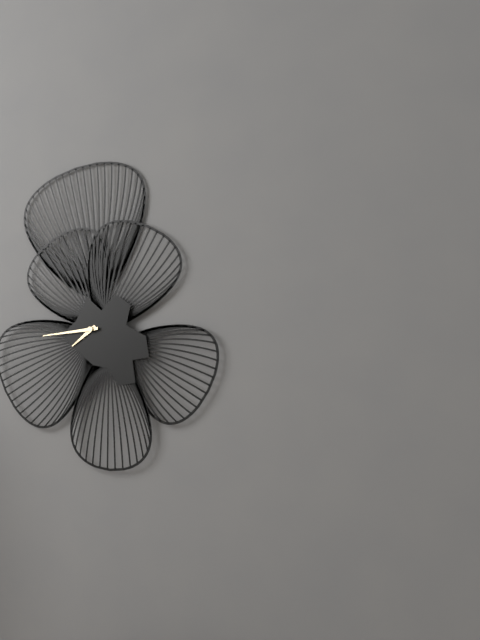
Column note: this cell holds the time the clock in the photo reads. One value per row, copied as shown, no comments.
7:44
